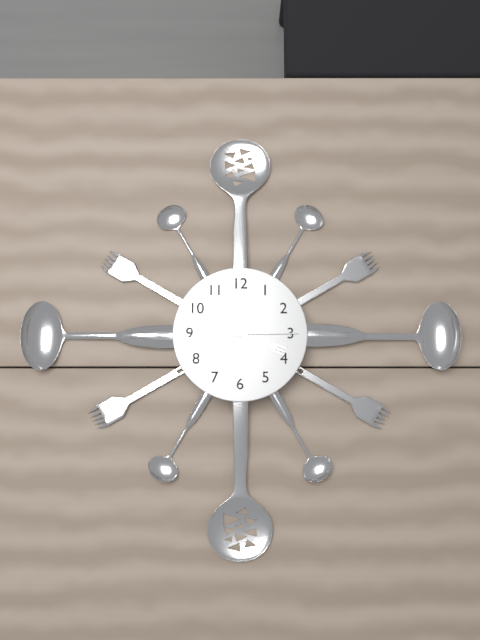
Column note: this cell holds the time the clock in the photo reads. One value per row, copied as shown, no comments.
3:44:15
